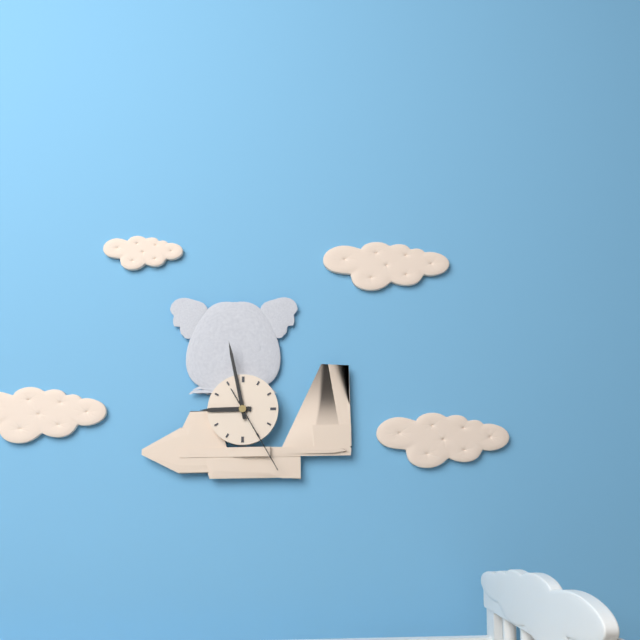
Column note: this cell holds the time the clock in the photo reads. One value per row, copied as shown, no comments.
8:58:25
